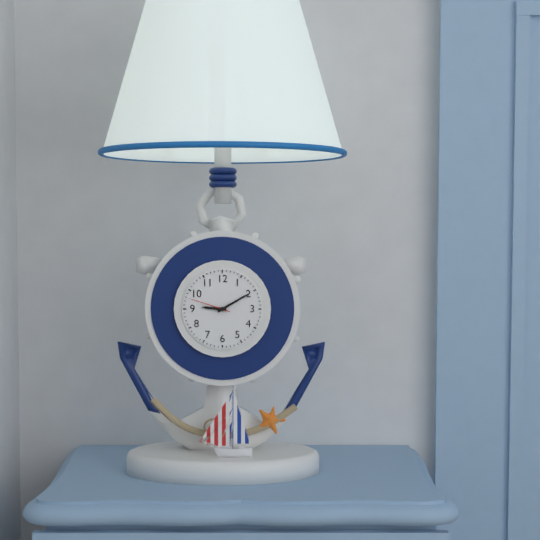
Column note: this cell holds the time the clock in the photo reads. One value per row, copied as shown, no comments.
9:10
